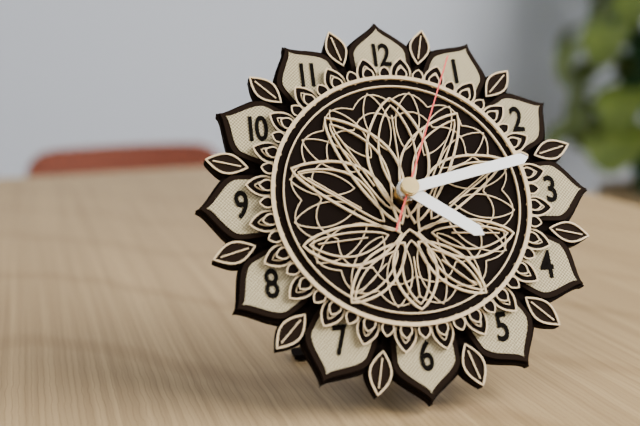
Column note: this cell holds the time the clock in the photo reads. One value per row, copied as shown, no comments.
4:13:04
